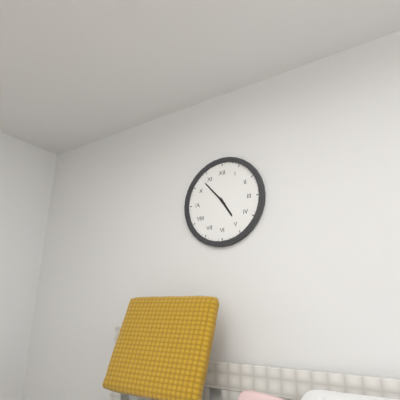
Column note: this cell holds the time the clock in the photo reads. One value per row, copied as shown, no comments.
4:53
